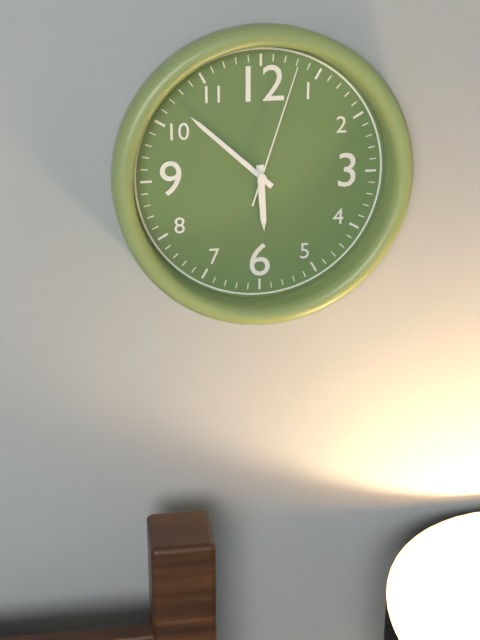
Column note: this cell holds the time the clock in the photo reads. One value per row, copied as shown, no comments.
5:52:03
